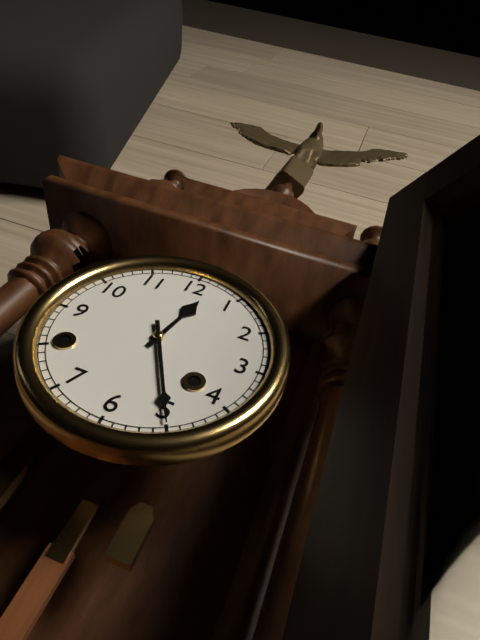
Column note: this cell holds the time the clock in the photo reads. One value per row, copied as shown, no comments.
12:25
